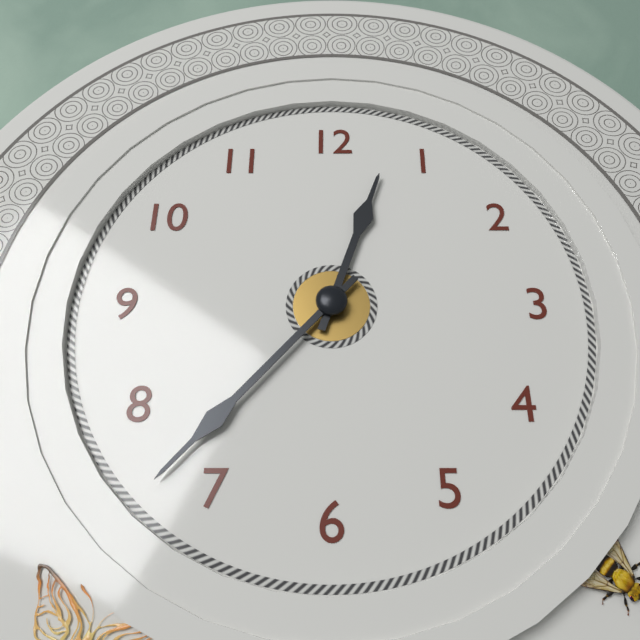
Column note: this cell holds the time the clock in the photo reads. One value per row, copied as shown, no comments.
12:37
